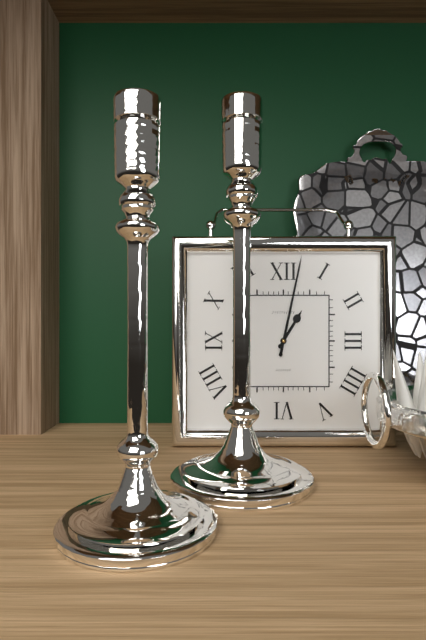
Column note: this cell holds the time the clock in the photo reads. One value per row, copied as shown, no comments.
1:02
